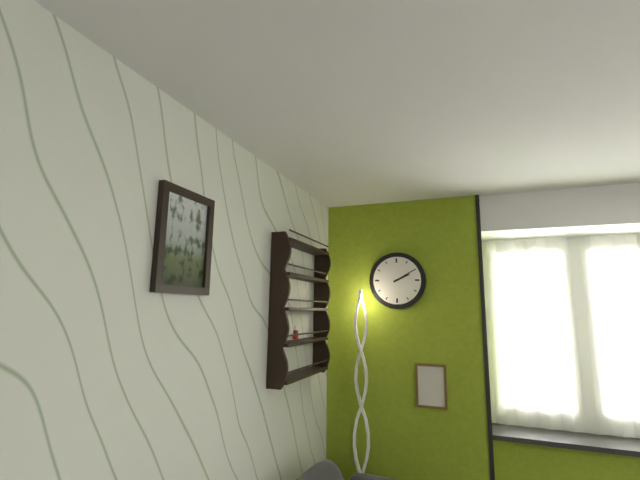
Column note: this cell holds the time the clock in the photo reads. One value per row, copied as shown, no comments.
2:10
